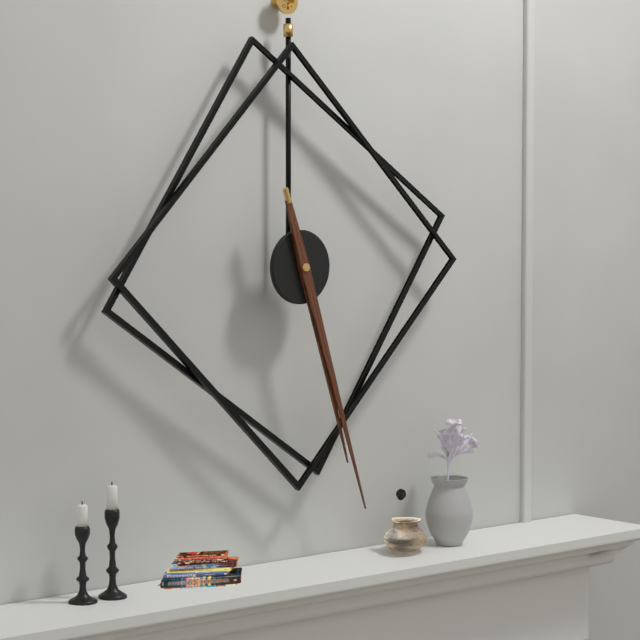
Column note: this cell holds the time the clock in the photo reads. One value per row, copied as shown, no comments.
5:27
